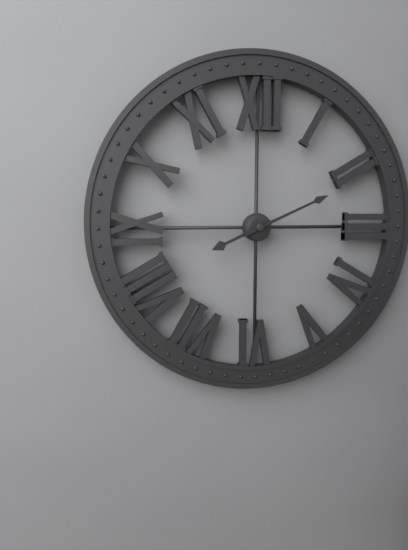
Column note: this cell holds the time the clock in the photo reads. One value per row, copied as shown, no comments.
8:11
